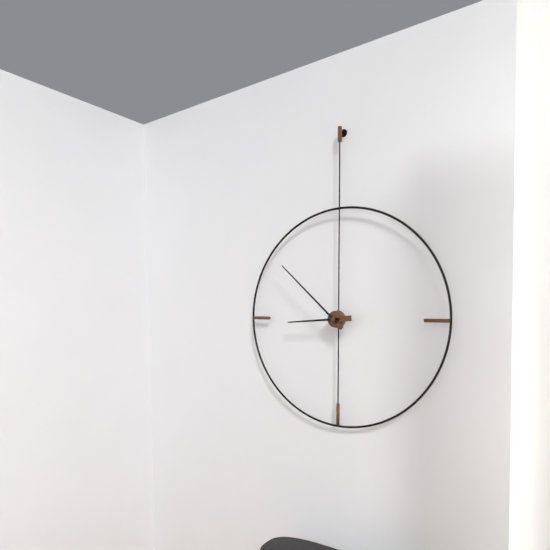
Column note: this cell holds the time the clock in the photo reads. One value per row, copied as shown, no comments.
8:52
